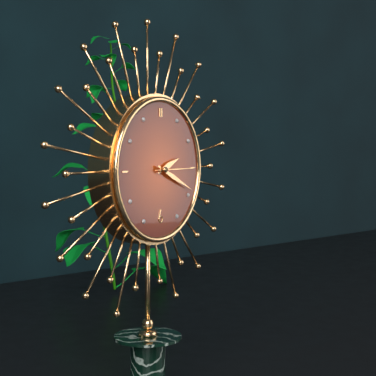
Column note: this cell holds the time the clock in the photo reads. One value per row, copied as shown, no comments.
2:19
